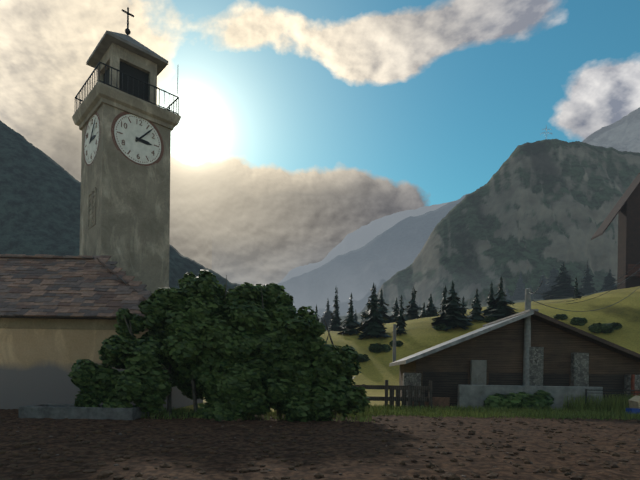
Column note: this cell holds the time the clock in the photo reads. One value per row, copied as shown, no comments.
3:07
